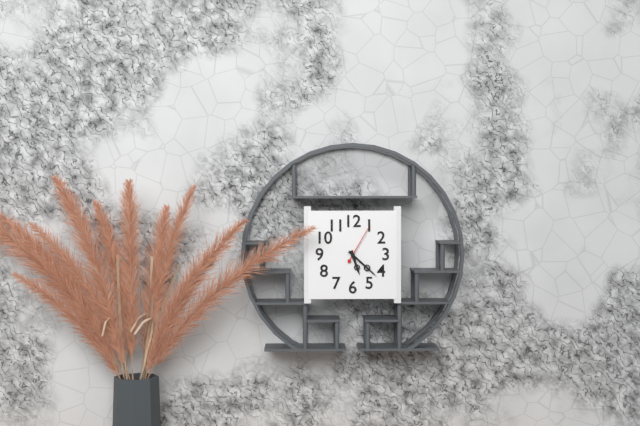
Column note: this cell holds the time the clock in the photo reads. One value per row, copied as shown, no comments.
5:22
